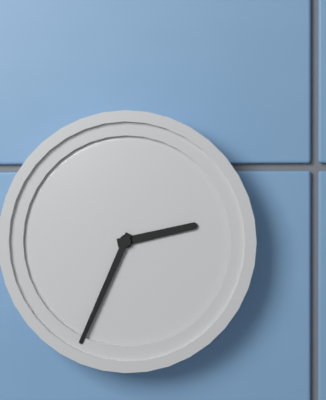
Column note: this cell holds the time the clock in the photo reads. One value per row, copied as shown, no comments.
2:34
